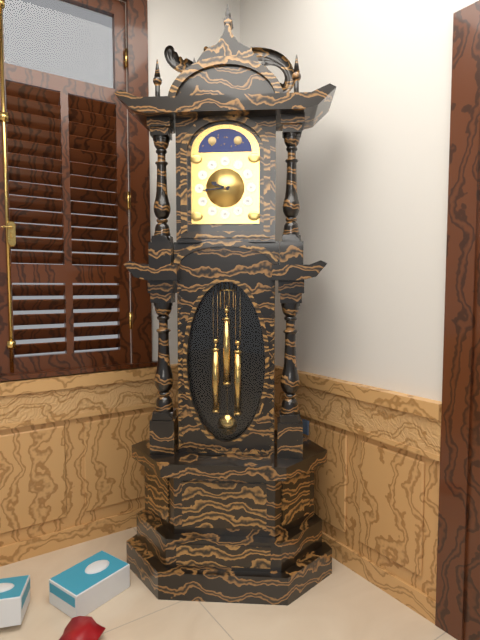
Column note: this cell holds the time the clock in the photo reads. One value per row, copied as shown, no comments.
9:44
